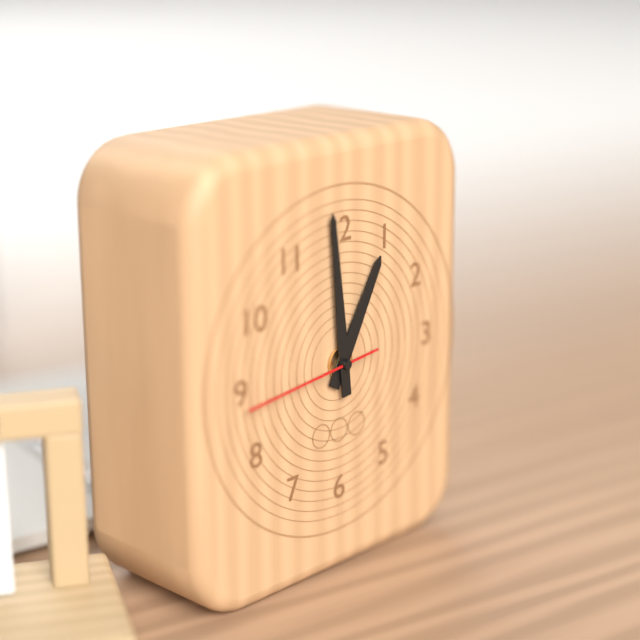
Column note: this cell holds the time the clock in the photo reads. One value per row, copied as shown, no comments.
12:59:44
